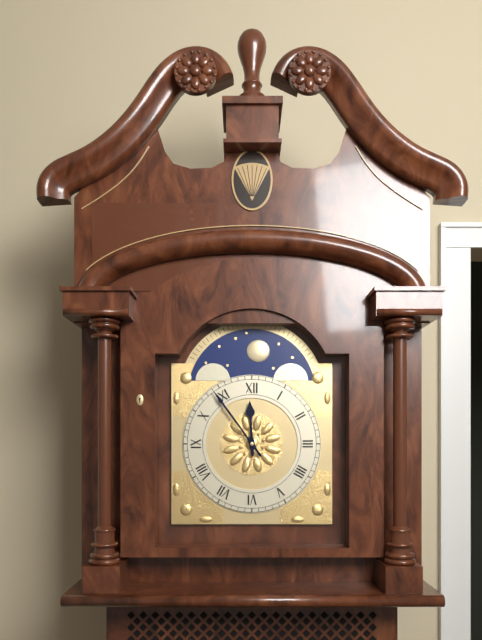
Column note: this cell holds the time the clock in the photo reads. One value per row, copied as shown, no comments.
11:54
